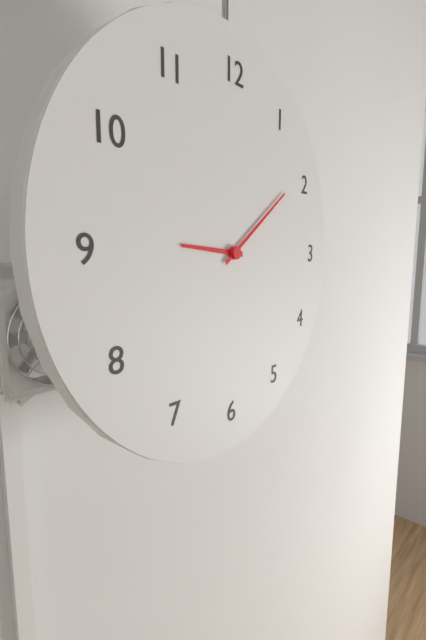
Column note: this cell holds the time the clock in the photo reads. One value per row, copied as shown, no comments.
9:09
